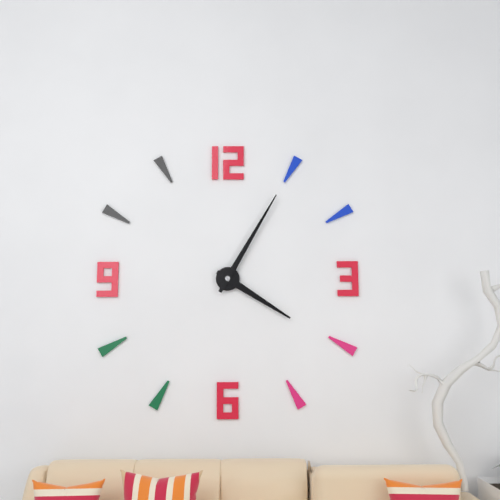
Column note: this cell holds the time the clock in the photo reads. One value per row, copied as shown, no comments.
4:05
